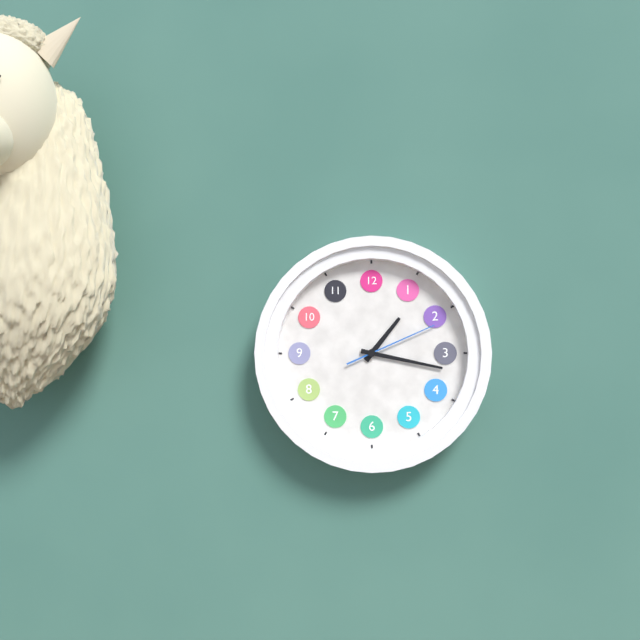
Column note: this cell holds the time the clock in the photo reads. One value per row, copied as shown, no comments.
1:17:11
